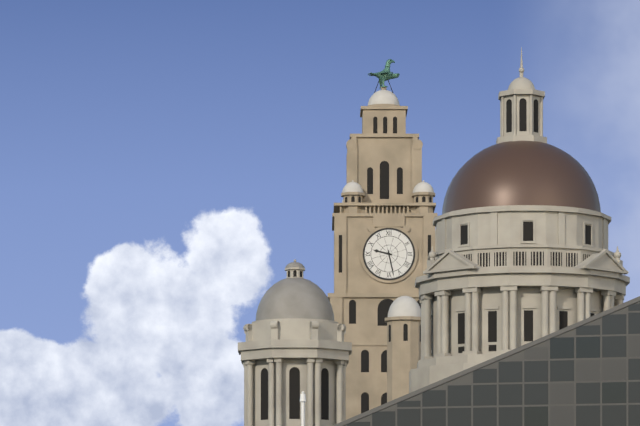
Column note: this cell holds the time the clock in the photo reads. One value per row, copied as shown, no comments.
9:28
